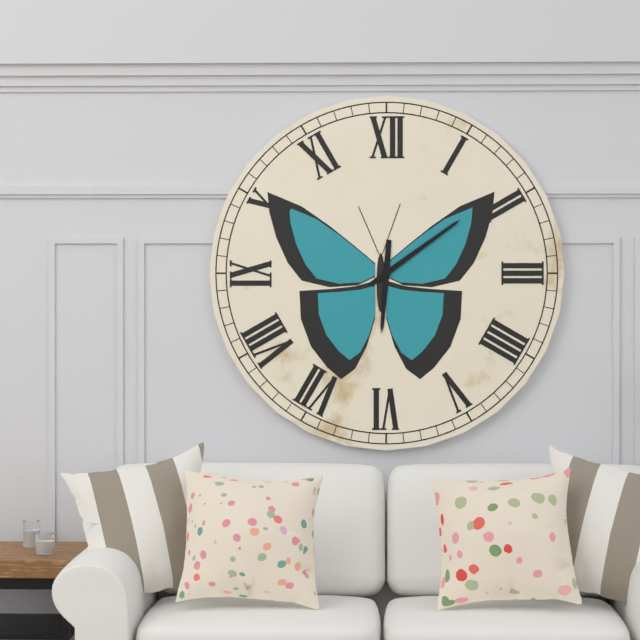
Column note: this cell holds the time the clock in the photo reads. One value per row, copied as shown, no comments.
6:09
